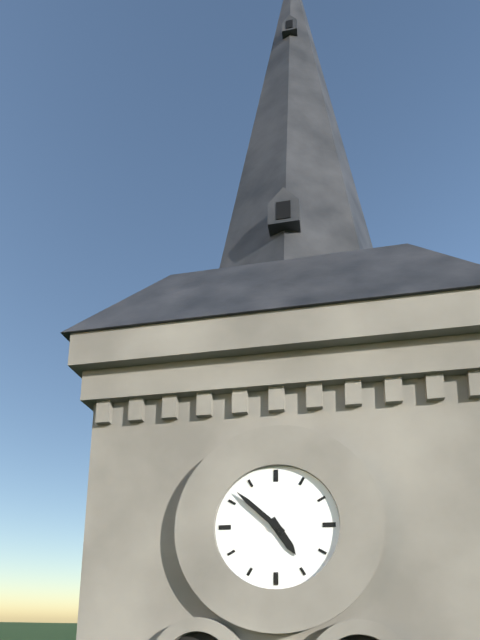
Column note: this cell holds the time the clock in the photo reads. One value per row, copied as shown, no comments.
4:52
